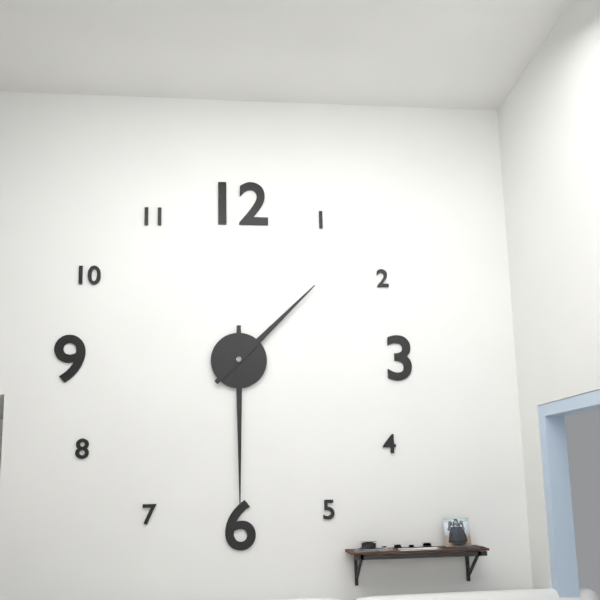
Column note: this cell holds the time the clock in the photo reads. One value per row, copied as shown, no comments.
1:30
